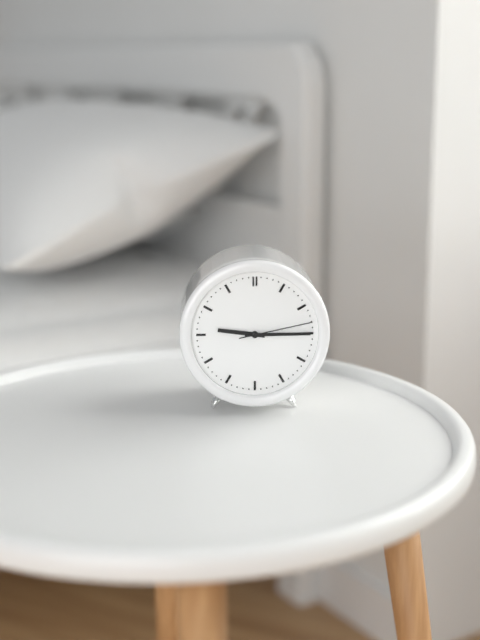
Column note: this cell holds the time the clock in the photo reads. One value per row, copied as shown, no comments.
9:15:13
